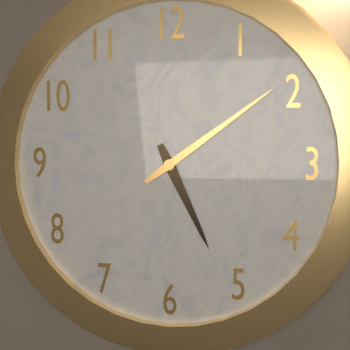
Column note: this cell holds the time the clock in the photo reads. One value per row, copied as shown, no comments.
5:09
